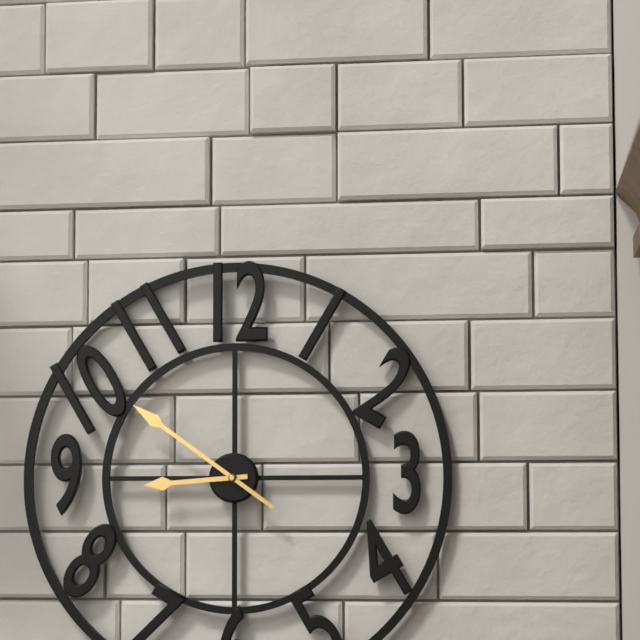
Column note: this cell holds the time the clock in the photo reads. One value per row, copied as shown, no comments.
8:51
